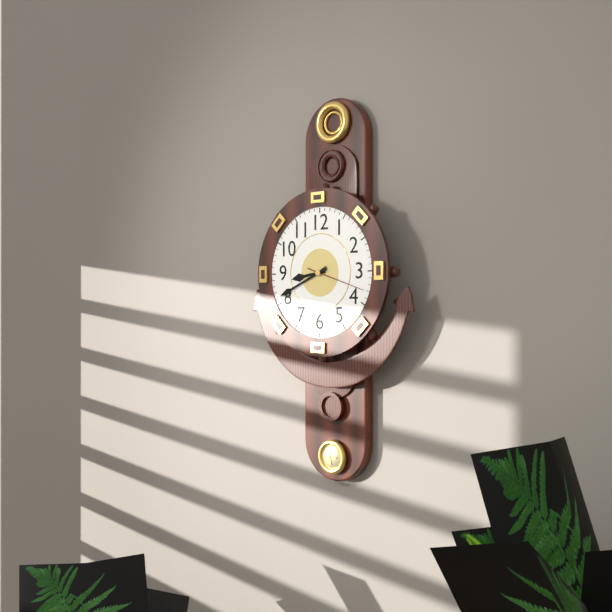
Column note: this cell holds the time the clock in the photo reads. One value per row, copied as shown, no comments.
8:41:18
